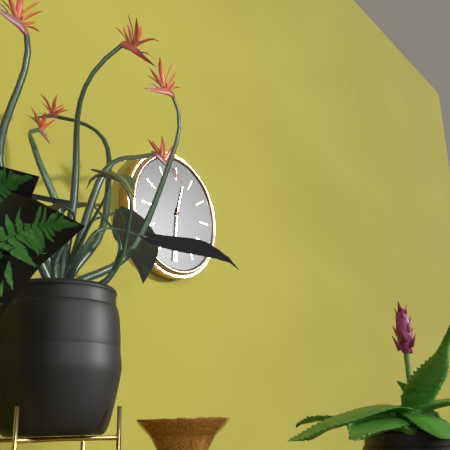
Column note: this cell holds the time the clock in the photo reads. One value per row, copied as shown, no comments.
12:31
